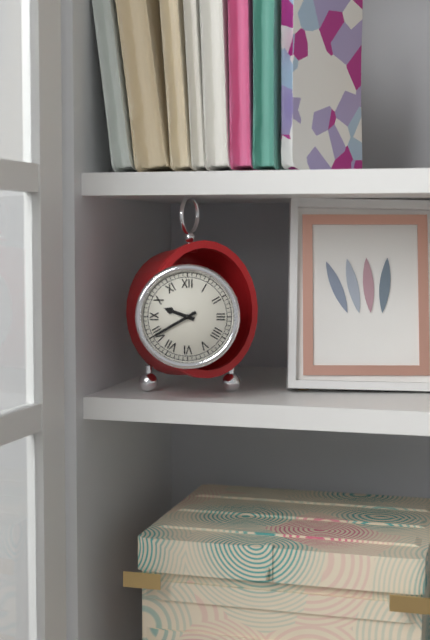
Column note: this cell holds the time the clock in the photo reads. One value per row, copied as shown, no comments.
9:40
